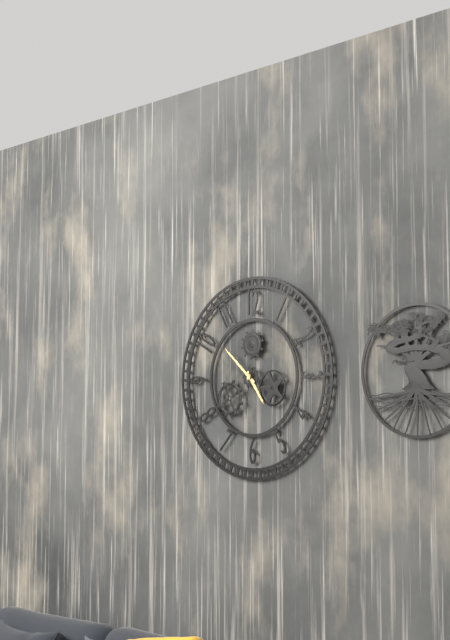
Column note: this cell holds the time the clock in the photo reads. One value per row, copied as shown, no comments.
4:52:31
